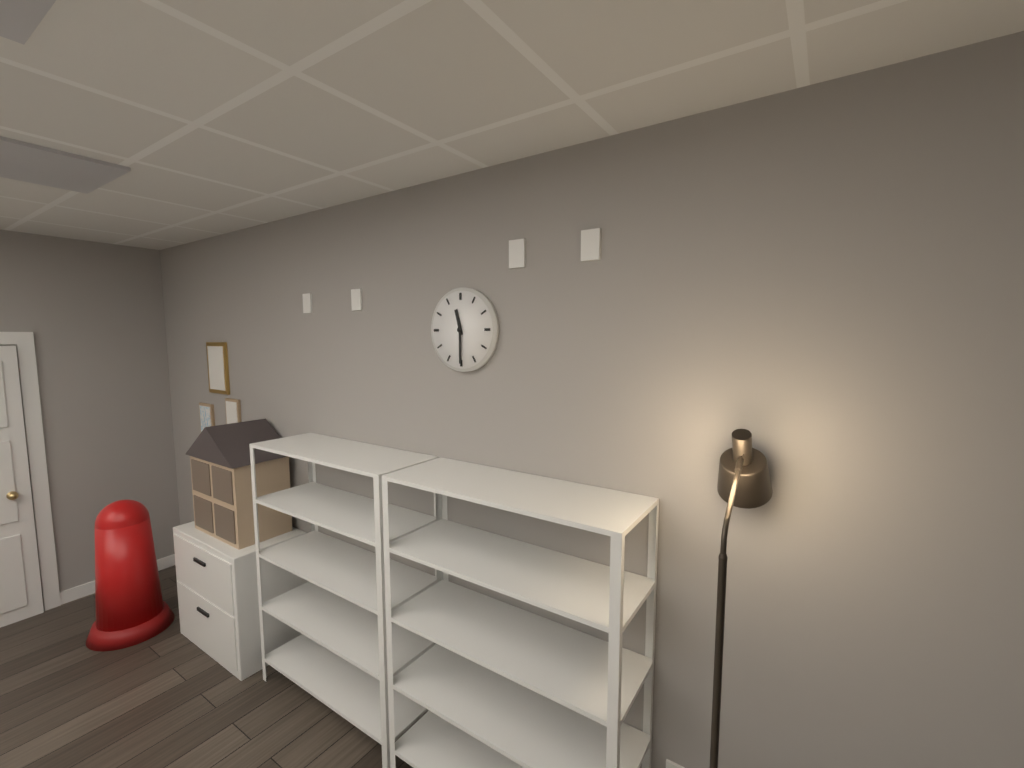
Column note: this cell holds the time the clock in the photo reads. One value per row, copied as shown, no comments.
11:30
